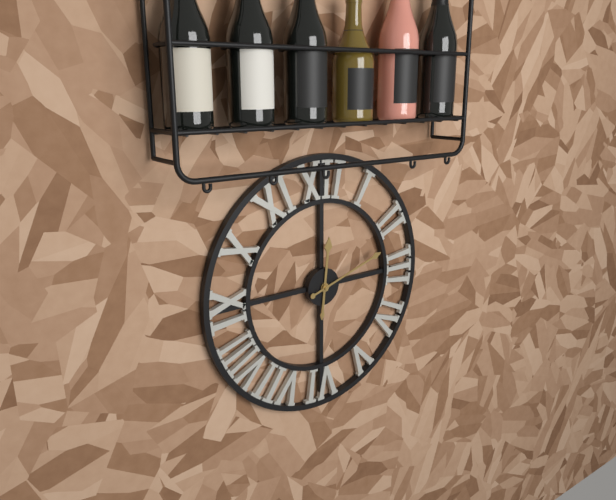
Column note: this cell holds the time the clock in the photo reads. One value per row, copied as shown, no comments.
12:12
